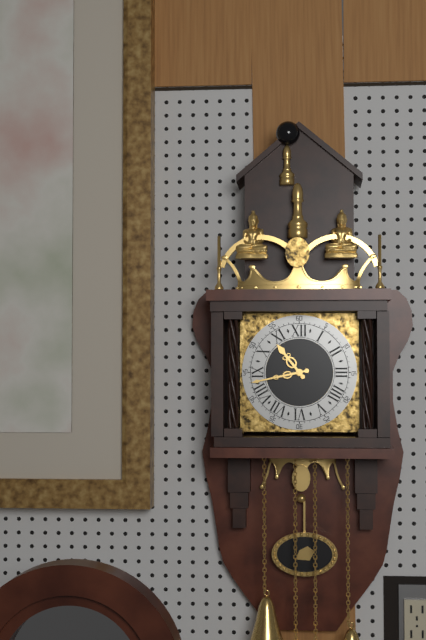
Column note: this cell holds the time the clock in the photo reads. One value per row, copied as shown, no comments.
10:43
